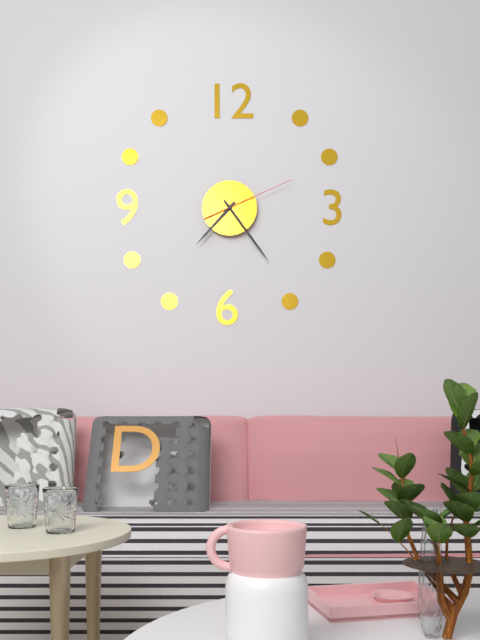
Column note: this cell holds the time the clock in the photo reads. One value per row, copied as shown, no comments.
7:24:11
